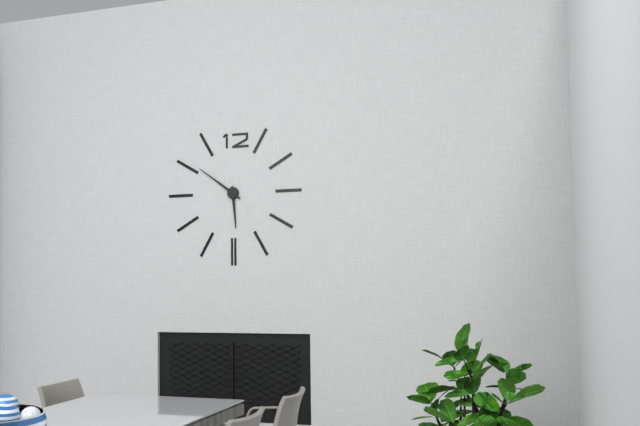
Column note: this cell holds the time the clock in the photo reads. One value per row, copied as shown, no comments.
5:51
